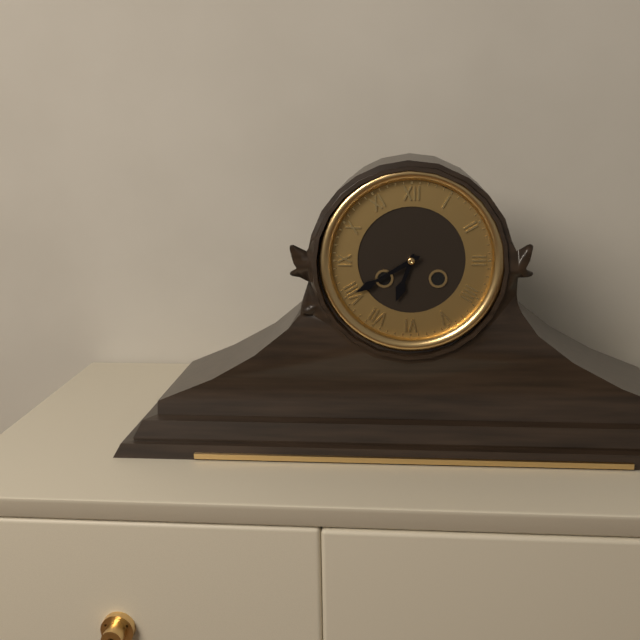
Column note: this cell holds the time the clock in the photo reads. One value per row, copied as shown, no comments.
6:40
